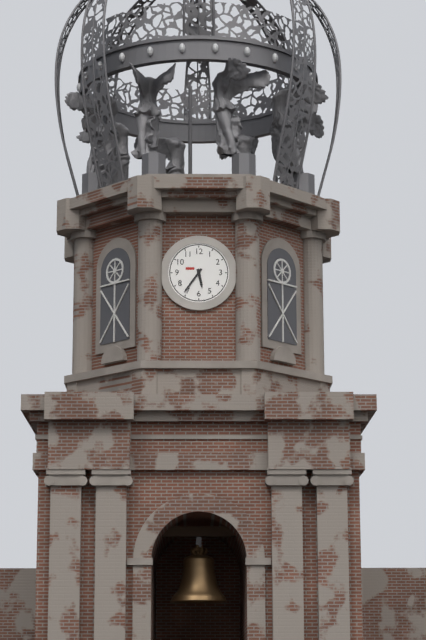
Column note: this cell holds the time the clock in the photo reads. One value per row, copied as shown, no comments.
5:36
